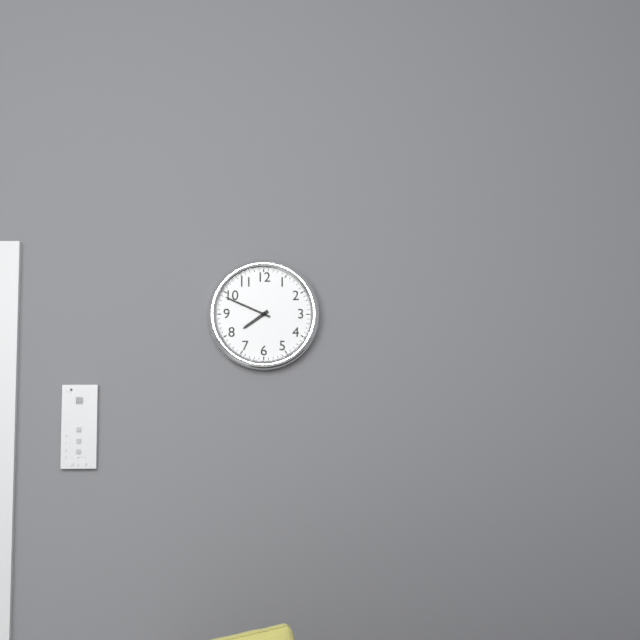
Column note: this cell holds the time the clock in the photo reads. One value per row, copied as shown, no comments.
7:49
